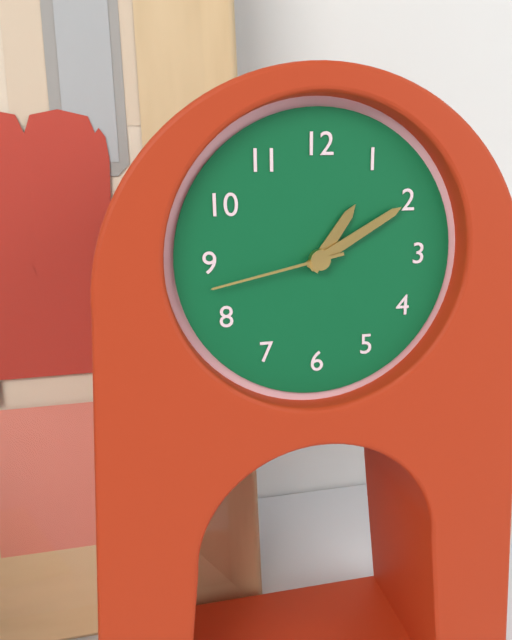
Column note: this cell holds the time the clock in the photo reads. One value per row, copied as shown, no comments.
1:10:43
